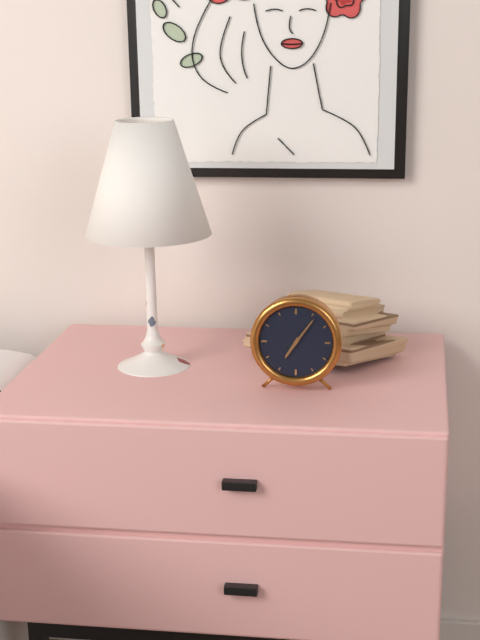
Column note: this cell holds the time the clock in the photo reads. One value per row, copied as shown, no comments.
7:06
